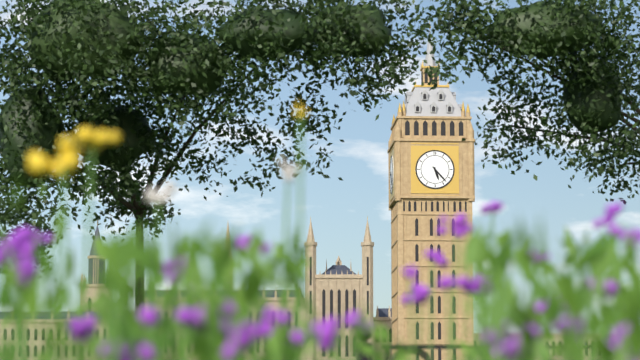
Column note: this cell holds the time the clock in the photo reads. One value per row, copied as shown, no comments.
5:23
